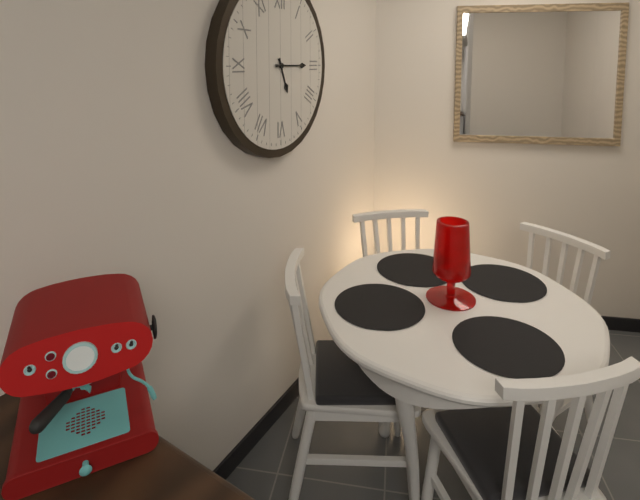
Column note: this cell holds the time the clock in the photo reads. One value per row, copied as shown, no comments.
5:15
